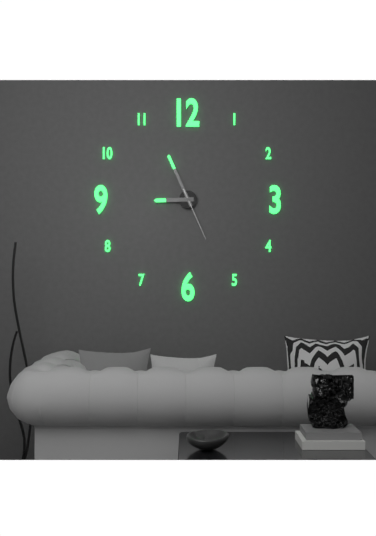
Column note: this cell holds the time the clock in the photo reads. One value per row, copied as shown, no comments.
8:56:26
